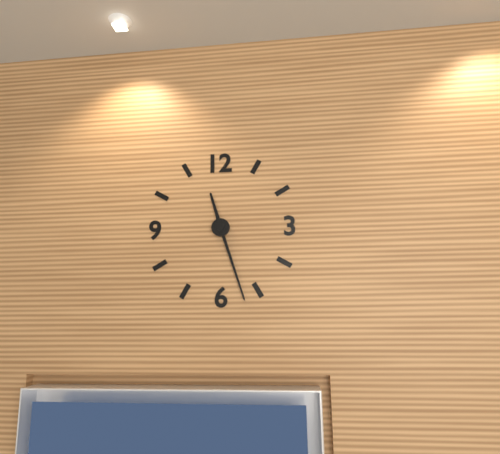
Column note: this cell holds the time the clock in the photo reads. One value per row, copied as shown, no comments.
11:27
